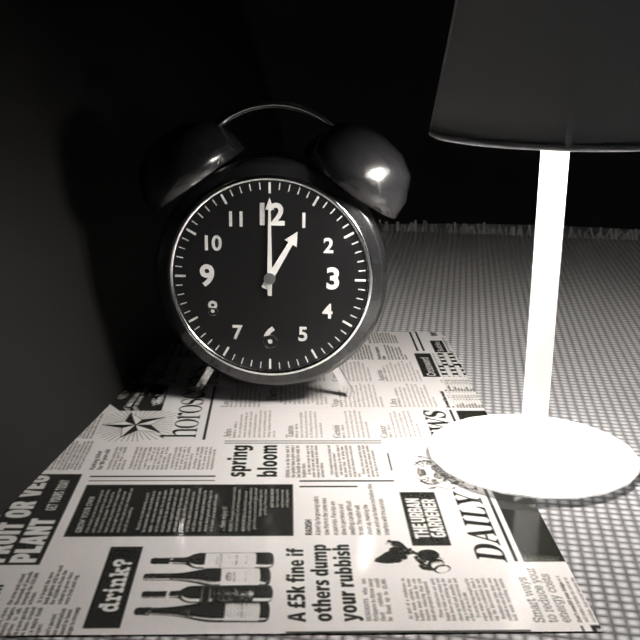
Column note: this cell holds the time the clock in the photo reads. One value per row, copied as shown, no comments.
1:00
